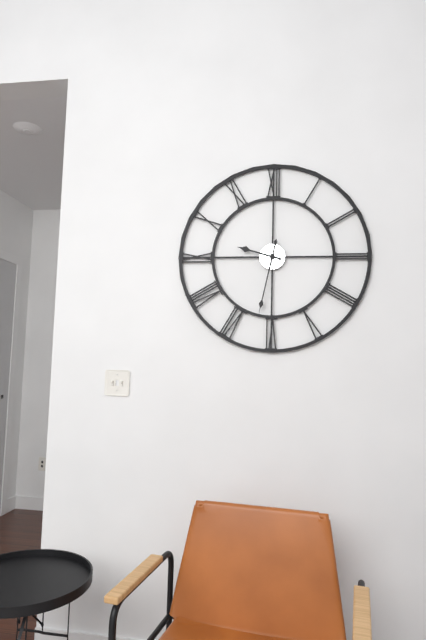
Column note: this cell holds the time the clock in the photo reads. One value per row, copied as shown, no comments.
9:32
